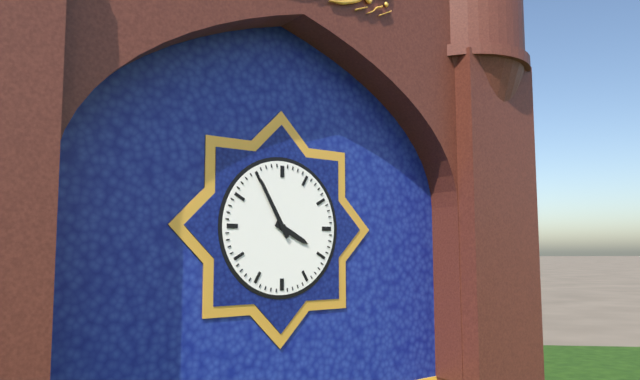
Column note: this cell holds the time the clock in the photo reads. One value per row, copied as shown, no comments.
3:55
